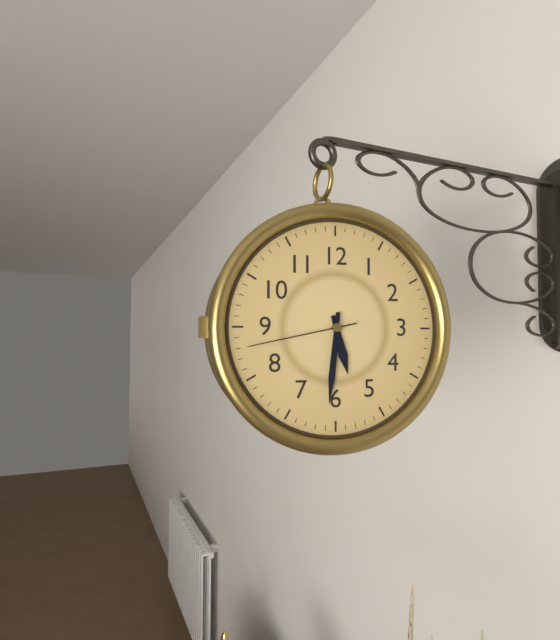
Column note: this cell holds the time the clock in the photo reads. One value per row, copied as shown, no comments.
5:31:43
